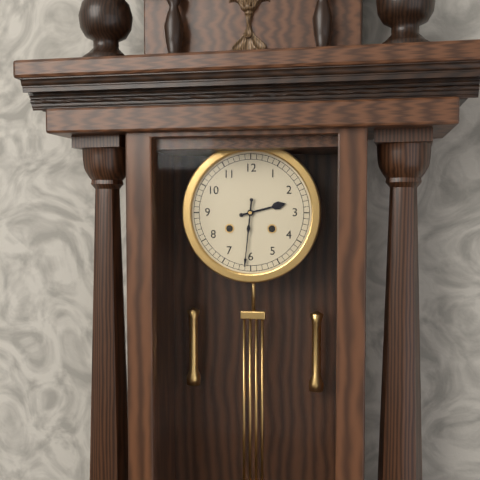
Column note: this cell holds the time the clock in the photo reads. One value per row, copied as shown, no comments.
2:31
